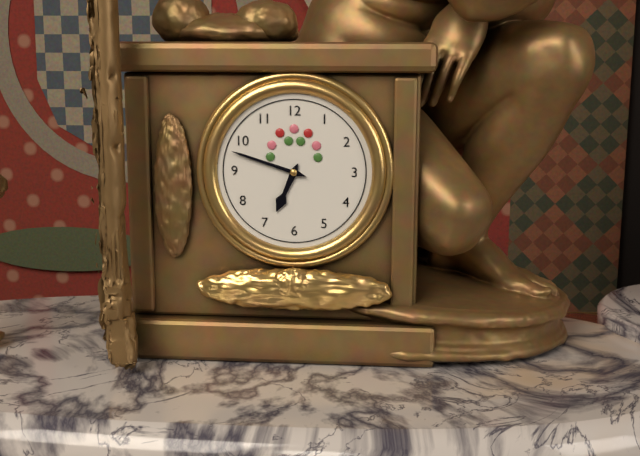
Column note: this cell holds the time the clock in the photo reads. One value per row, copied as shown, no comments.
6:48
